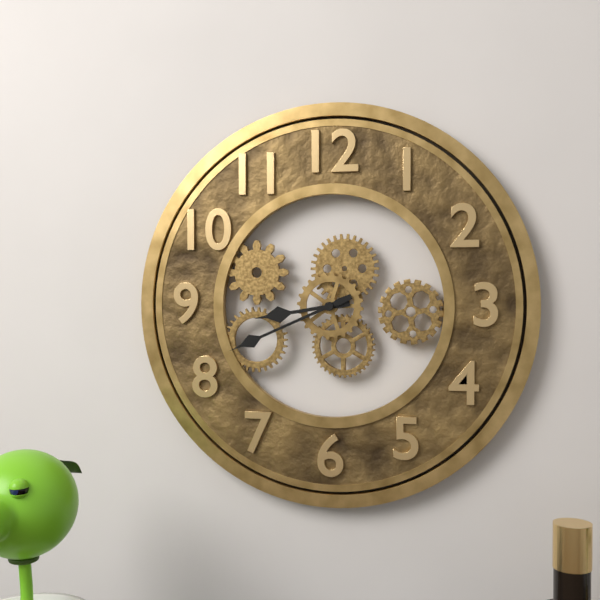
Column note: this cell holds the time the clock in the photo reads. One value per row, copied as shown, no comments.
8:41
